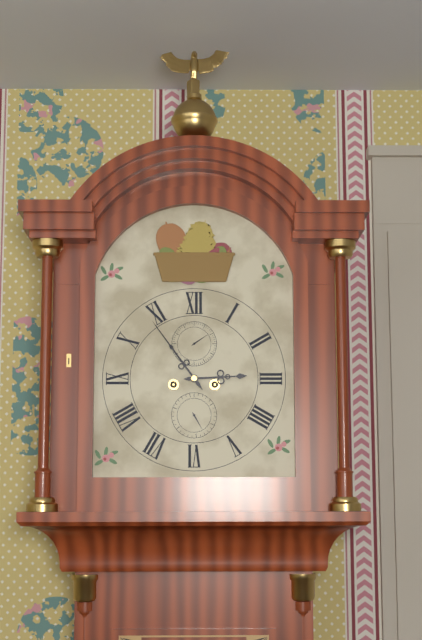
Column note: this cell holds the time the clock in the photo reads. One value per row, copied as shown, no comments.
2:54
